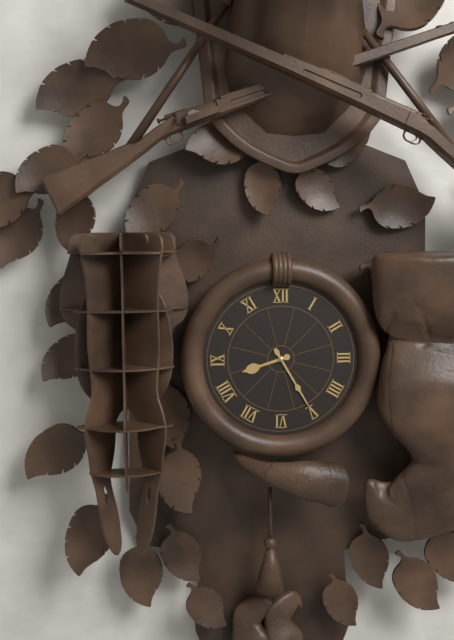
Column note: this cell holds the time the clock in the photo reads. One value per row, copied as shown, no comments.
8:25
